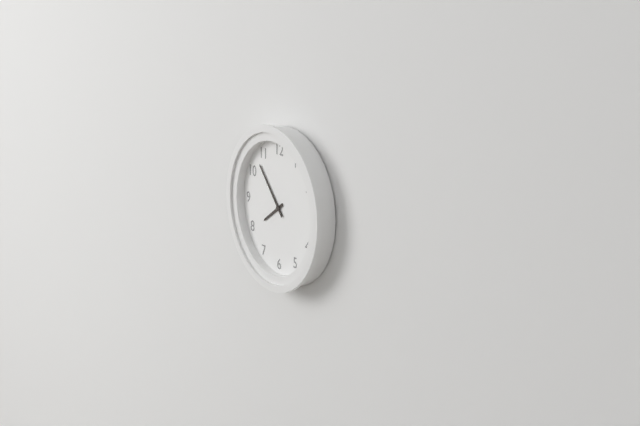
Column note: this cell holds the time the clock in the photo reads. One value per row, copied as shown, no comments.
7:53
